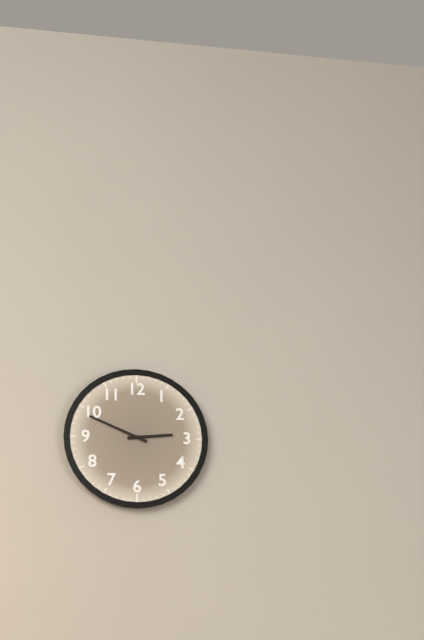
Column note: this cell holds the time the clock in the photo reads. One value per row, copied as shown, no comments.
2:49
